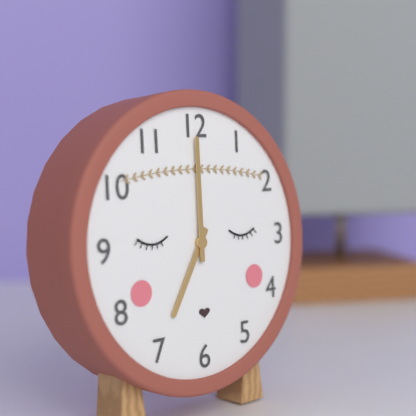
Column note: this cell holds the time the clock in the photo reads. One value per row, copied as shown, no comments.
7:00
